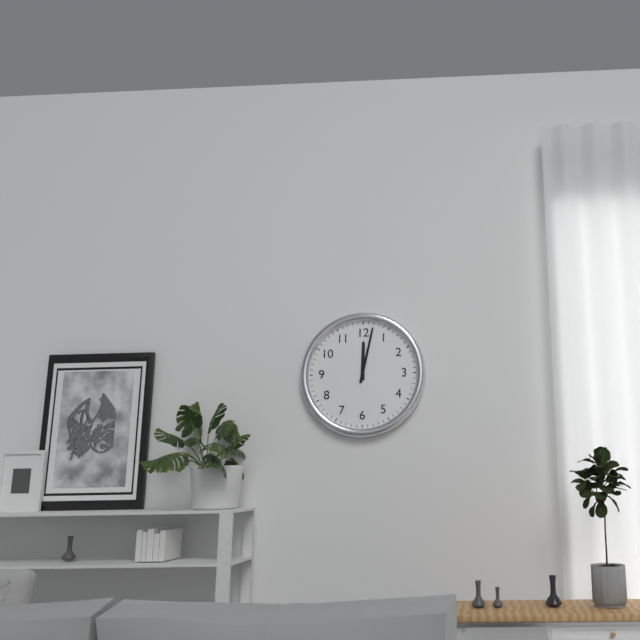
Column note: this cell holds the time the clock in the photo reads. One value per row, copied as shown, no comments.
12:02
